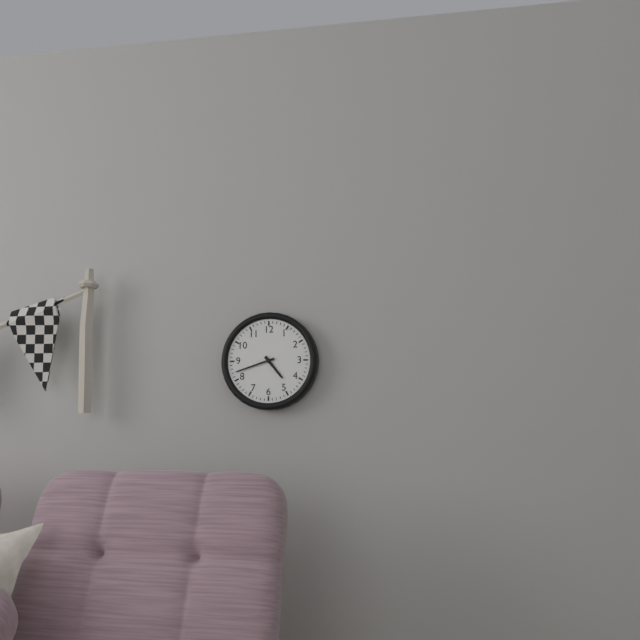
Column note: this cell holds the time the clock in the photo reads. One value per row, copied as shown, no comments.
4:42
